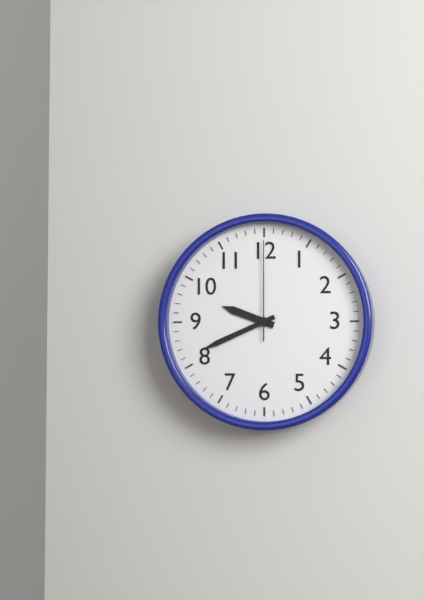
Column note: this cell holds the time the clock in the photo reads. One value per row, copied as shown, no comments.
9:41:00
